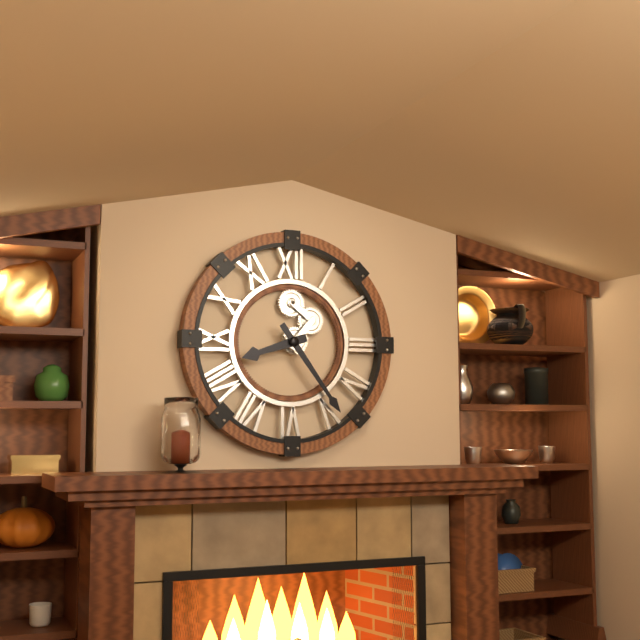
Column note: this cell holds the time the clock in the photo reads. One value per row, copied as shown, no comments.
8:24
